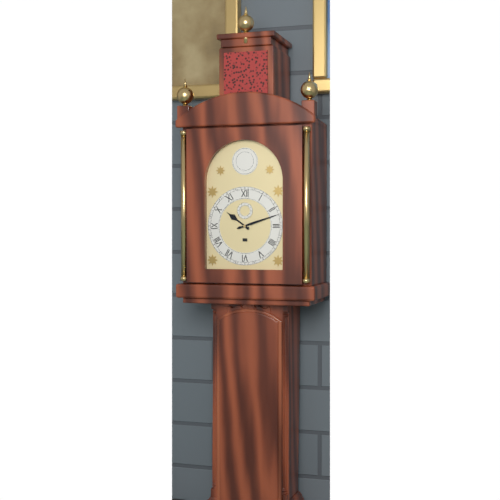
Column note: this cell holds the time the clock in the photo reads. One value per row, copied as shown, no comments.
10:12
